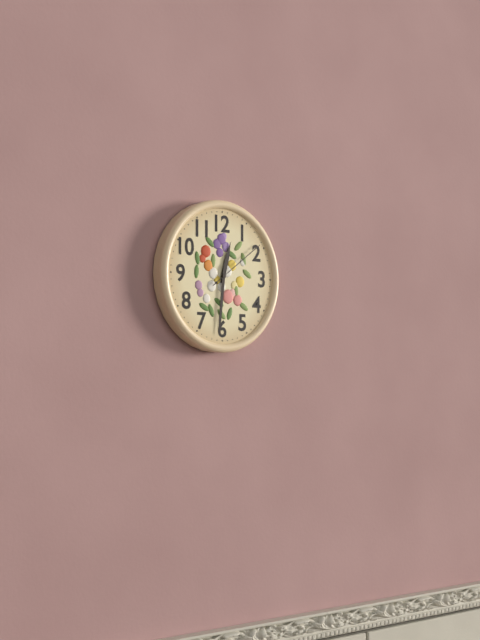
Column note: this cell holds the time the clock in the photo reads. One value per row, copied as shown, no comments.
12:31:09
